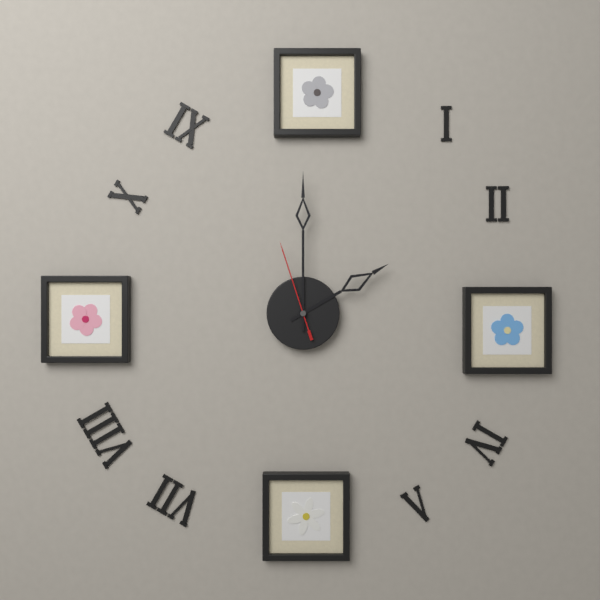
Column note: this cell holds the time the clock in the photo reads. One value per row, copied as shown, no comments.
2:00:57
